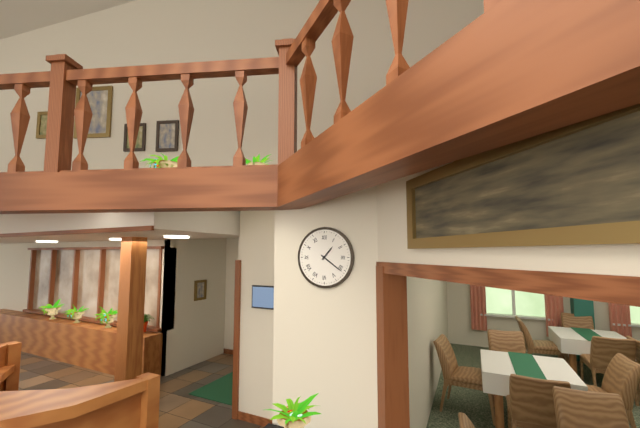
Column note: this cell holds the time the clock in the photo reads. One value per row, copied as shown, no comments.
1:21
